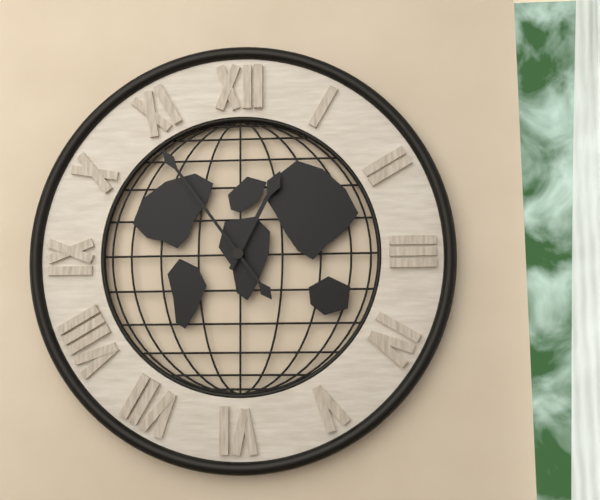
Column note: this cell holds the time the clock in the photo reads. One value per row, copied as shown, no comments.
12:54
